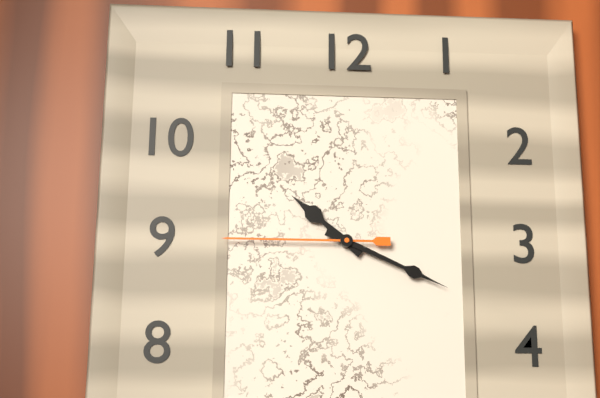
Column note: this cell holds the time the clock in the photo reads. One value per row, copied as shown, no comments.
10:19:45
